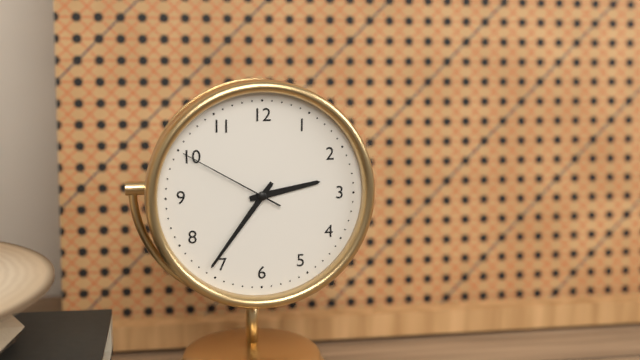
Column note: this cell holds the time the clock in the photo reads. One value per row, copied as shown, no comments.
2:36:50
